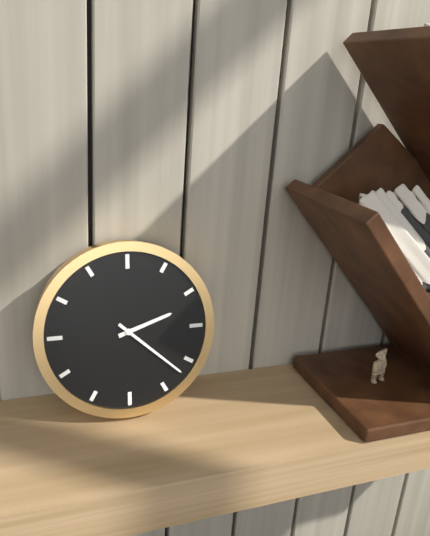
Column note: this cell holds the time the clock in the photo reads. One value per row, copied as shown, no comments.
2:22
